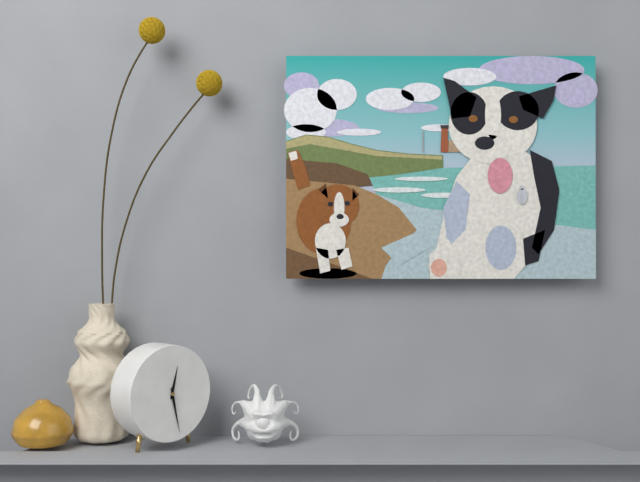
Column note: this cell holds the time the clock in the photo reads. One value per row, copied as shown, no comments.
12:28
